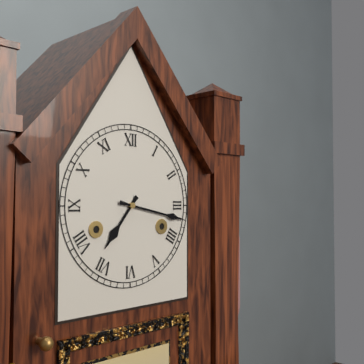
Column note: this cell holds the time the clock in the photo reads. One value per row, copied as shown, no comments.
7:17
